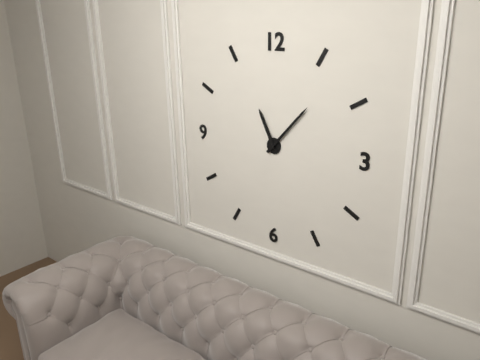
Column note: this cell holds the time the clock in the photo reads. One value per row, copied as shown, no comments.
11:07
